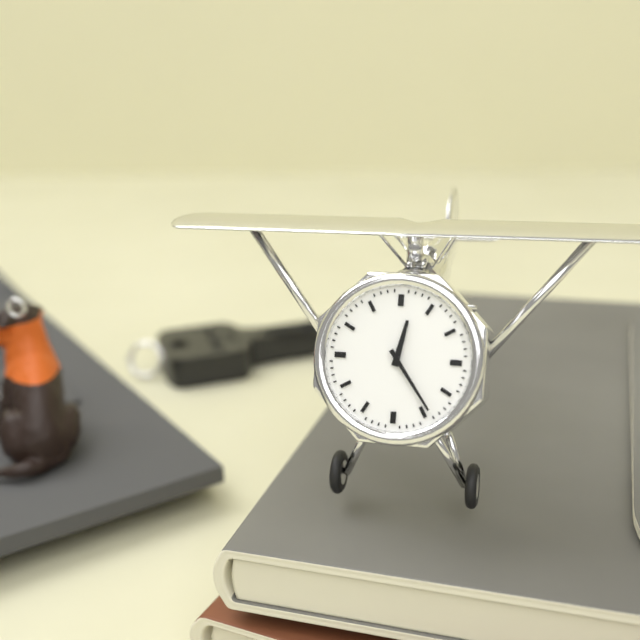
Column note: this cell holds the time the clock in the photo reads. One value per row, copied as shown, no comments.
12:24
